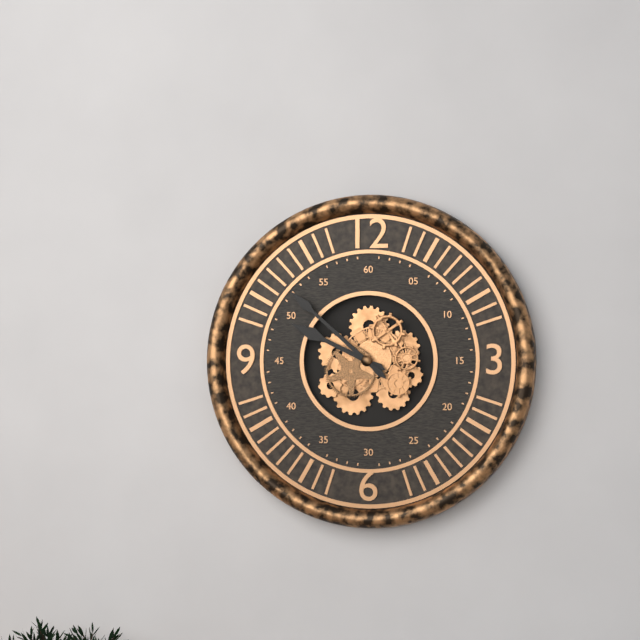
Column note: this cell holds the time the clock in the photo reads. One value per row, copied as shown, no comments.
9:52
